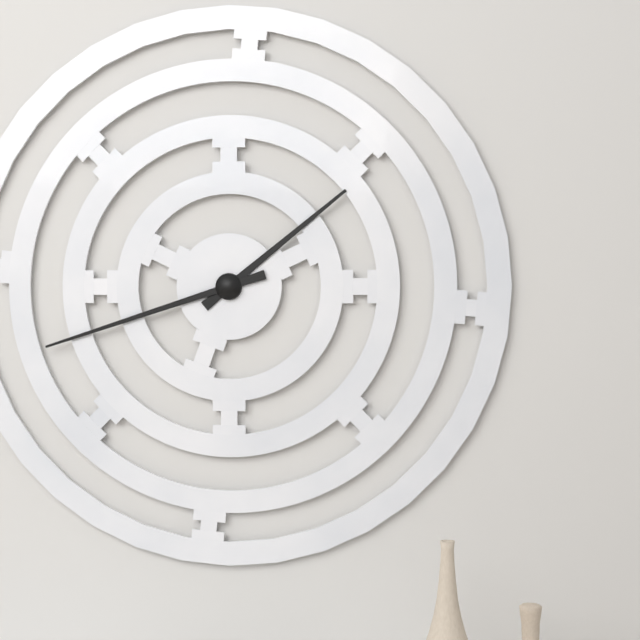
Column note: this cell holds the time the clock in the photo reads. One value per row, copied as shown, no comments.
1:42
